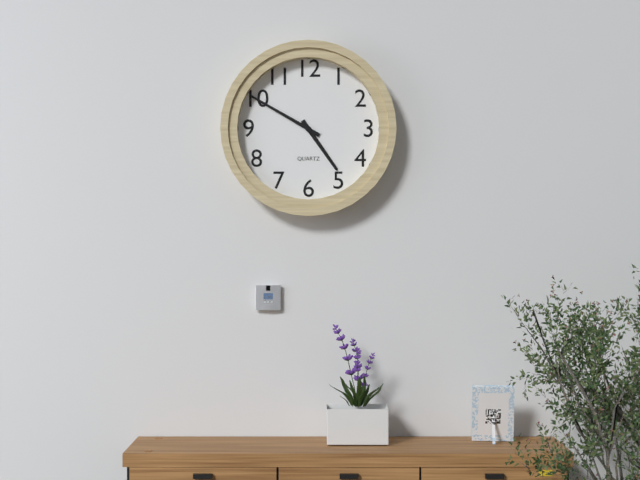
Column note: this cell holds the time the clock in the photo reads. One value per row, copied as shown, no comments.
4:50
